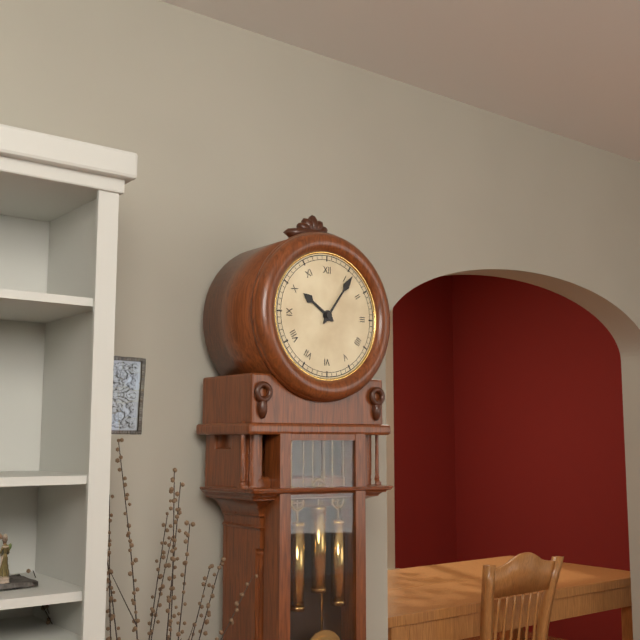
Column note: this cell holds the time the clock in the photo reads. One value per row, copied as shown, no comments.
10:06
